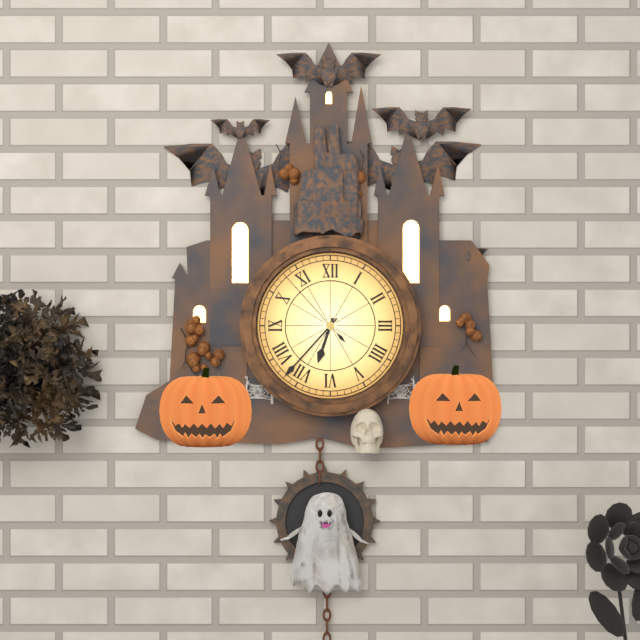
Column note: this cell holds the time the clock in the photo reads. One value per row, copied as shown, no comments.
6:37:53
